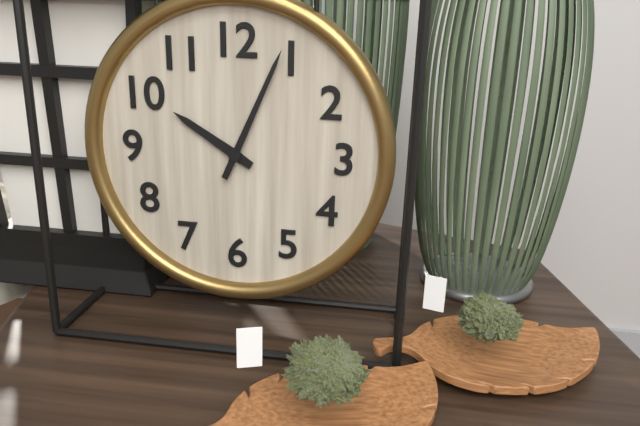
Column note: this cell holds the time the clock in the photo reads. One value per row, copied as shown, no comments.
10:04
